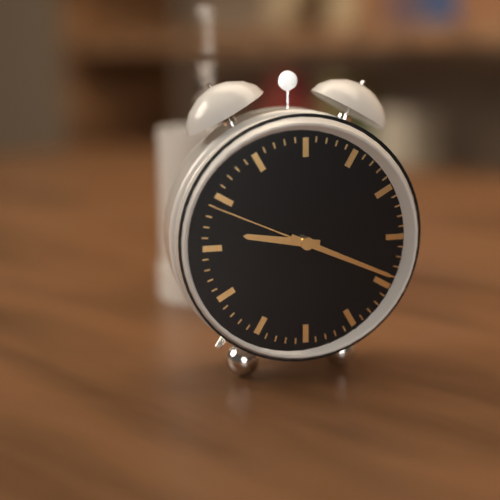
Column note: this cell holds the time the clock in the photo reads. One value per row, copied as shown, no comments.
9:19:49
